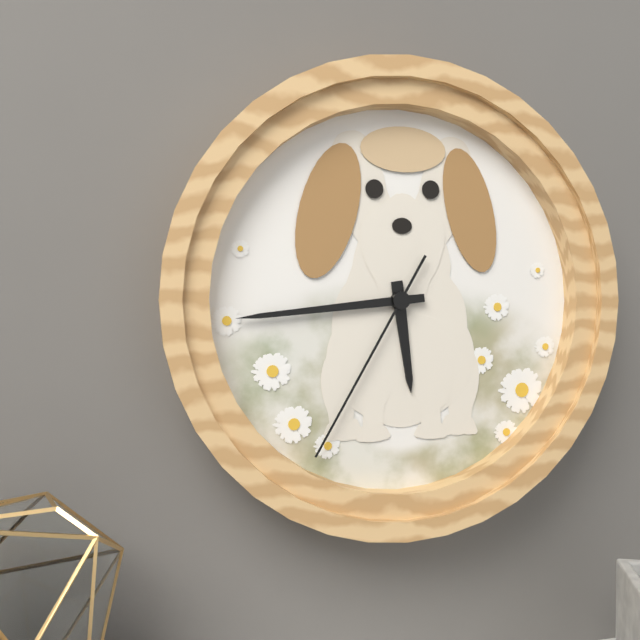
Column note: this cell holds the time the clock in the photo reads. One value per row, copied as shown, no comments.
5:44:35
